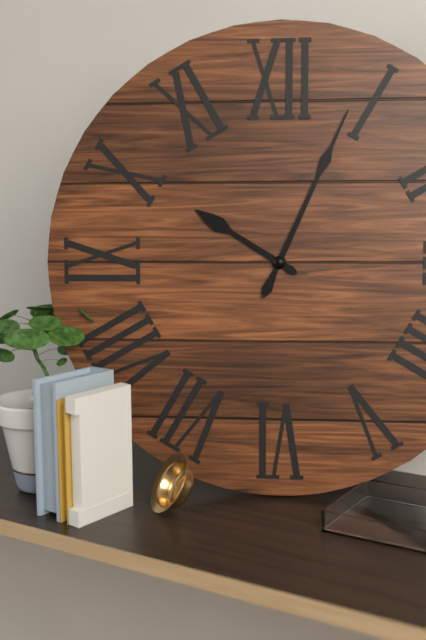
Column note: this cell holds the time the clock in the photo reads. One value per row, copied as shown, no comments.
10:04
